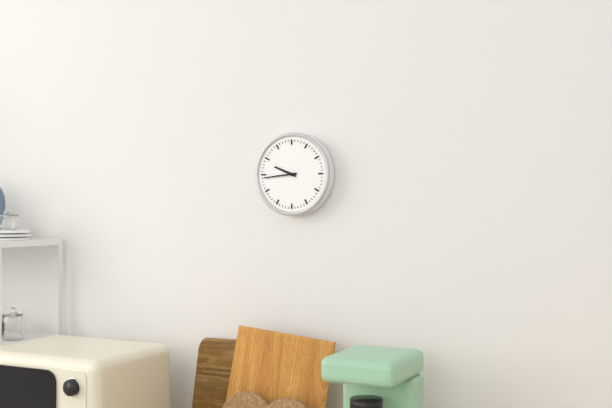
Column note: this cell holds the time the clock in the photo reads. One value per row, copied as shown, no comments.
9:44
